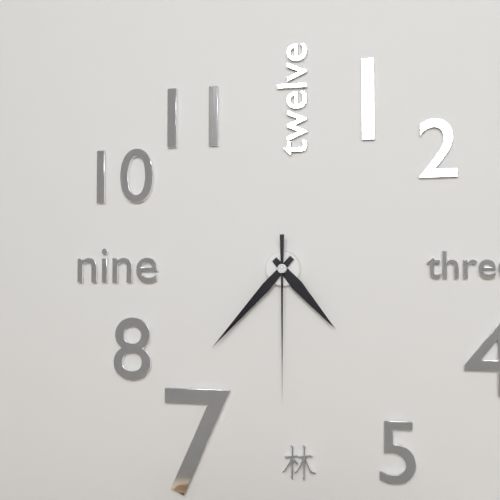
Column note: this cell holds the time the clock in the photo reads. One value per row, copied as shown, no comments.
4:37:30
